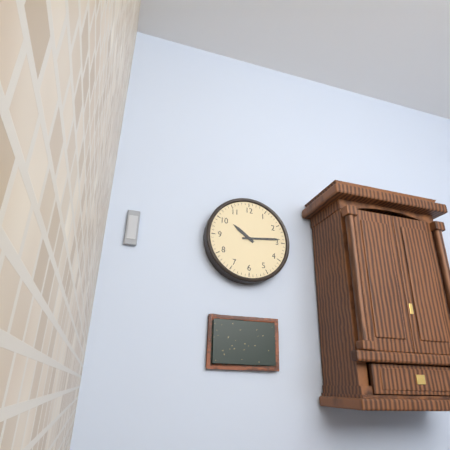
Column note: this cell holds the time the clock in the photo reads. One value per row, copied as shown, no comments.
10:14
